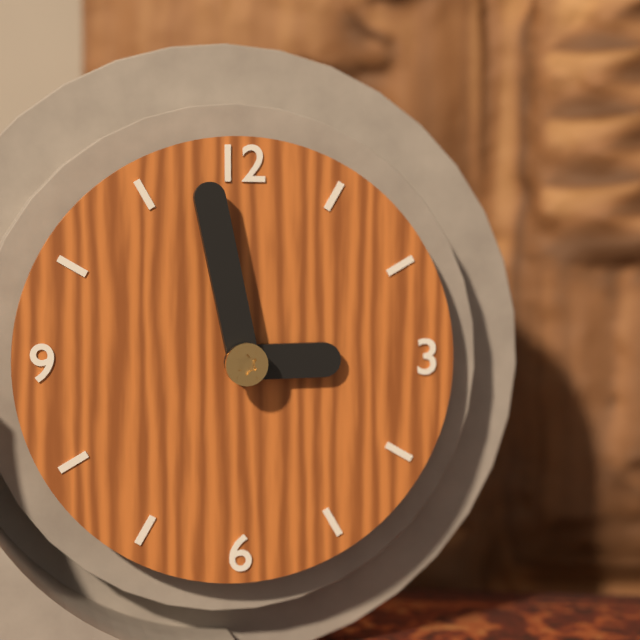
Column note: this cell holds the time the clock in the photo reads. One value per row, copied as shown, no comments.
2:58
